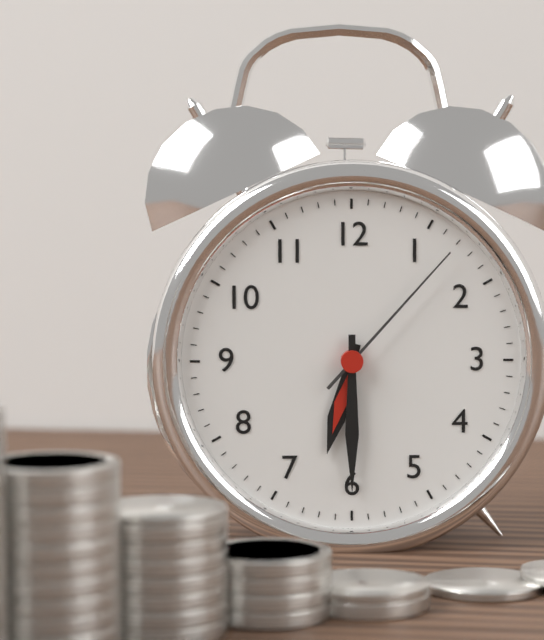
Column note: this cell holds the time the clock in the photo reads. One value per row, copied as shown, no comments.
6:30:07
